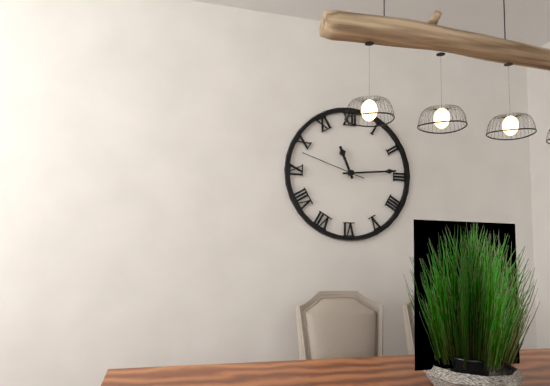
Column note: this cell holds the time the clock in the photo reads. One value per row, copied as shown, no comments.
11:14:48
